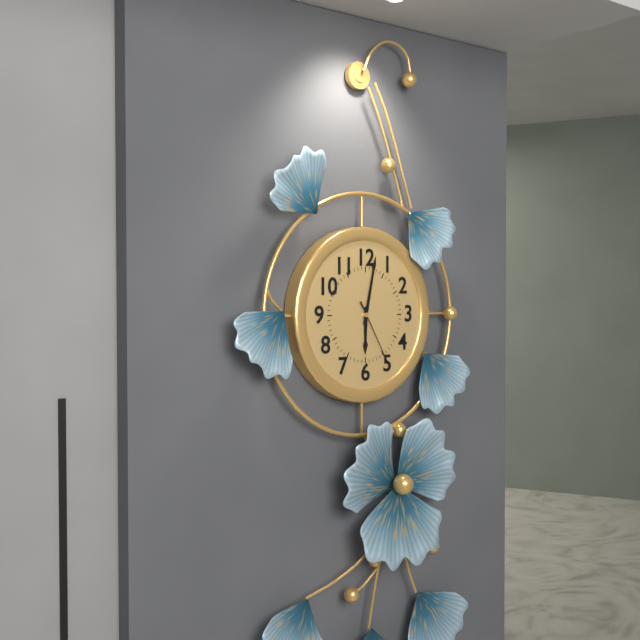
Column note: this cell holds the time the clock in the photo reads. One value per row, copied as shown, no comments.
6:02:25
